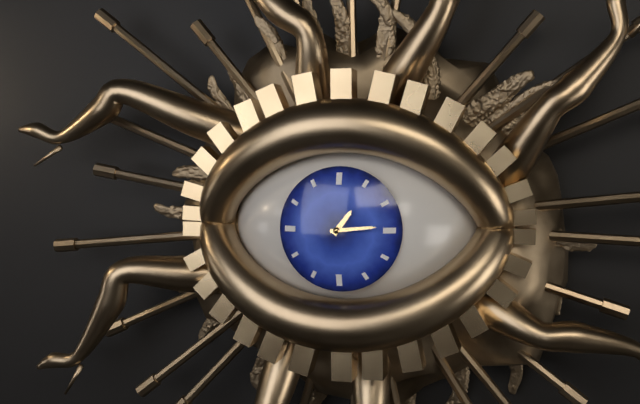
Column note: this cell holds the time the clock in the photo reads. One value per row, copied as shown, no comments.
1:14
